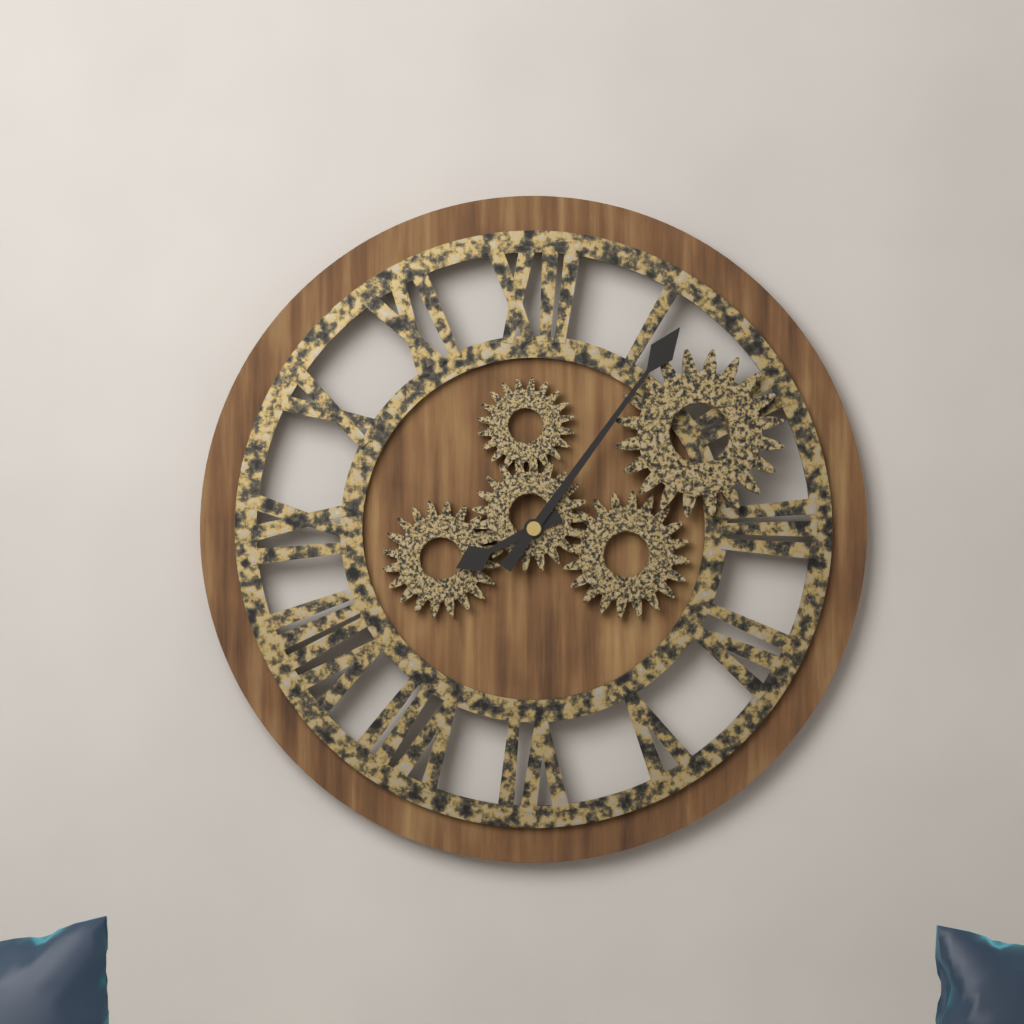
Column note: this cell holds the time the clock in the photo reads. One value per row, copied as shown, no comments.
8:06
